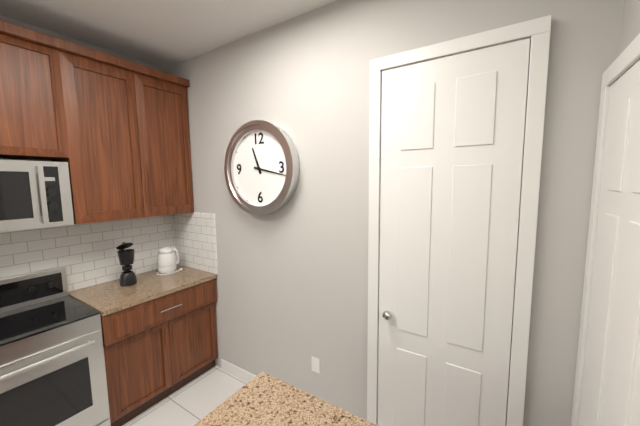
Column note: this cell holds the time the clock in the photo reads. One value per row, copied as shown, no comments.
11:17
